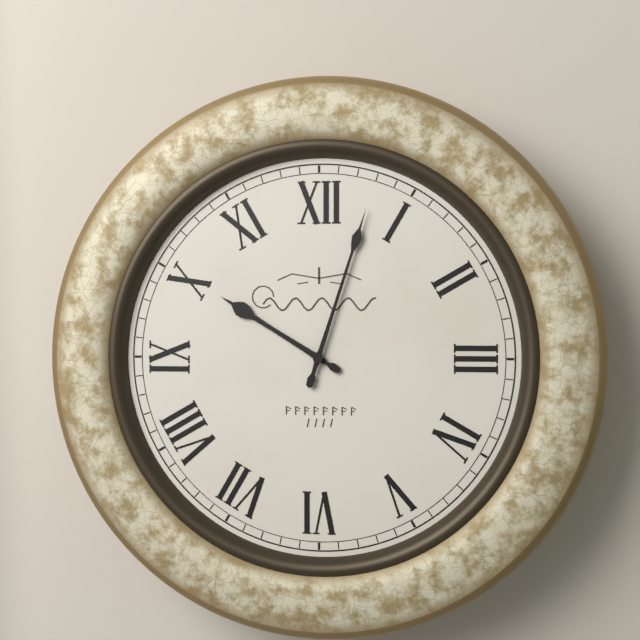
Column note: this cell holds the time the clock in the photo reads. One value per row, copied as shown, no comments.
10:03
